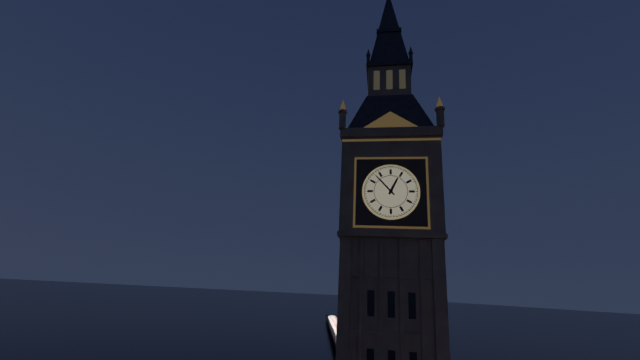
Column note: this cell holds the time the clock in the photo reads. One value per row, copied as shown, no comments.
12:53
